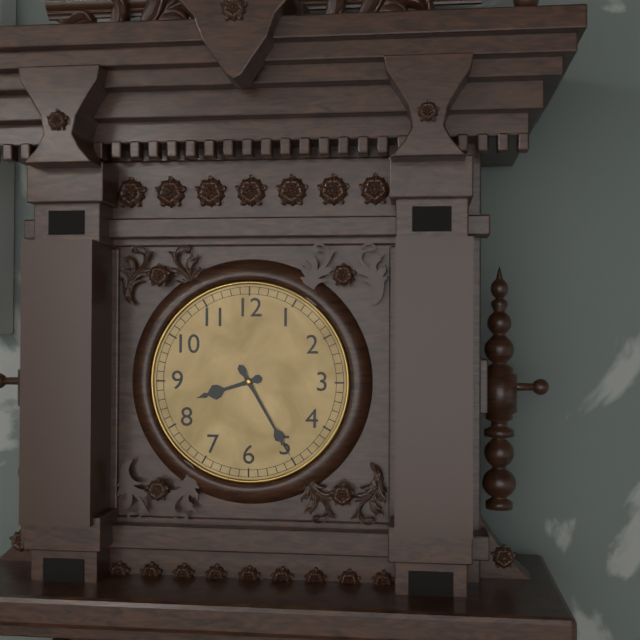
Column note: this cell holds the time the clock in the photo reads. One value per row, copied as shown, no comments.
8:25
